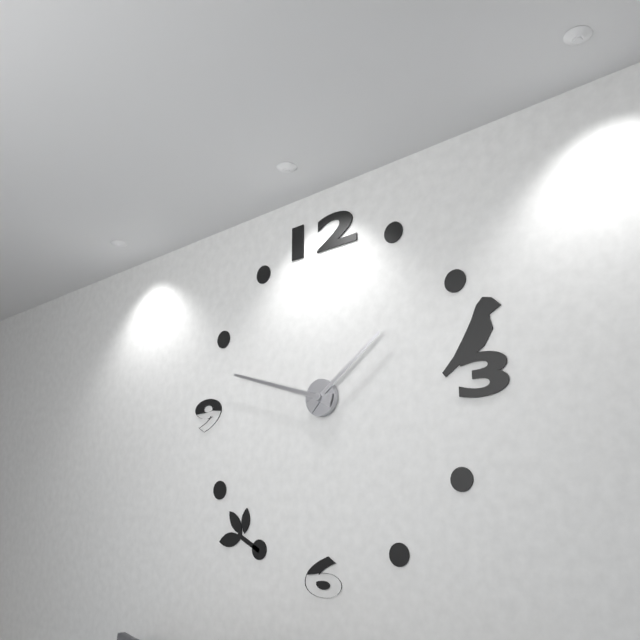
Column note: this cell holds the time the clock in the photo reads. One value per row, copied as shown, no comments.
1:48
